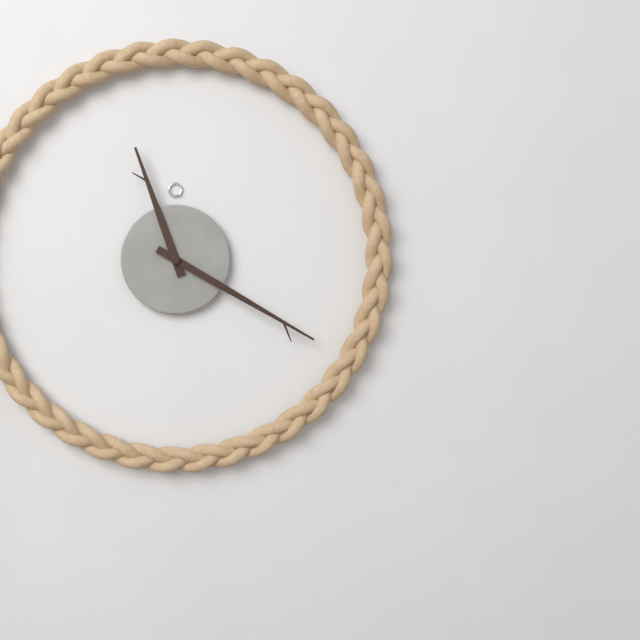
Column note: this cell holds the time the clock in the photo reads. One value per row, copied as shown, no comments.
11:20
